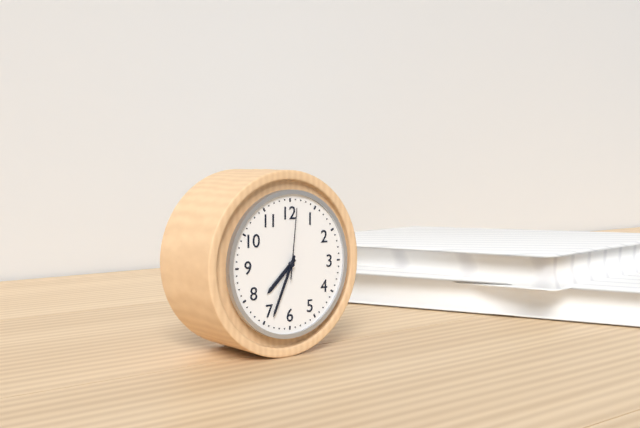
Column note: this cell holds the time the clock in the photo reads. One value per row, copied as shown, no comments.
7:34:01
